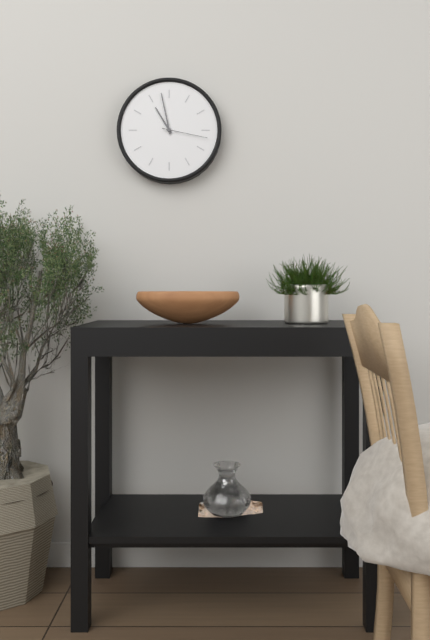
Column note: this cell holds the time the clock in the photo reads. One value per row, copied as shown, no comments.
10:58
